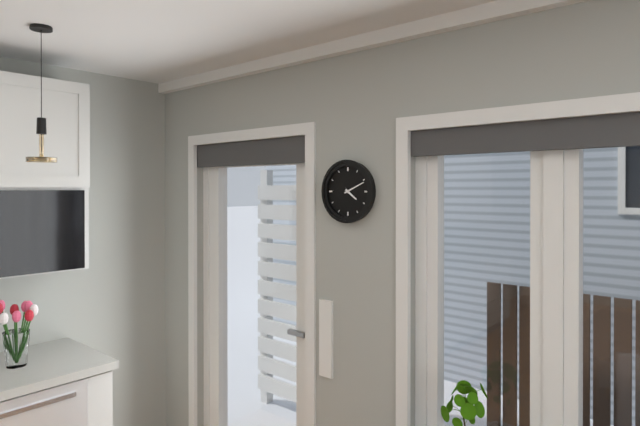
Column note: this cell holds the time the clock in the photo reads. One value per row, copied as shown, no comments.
4:11
